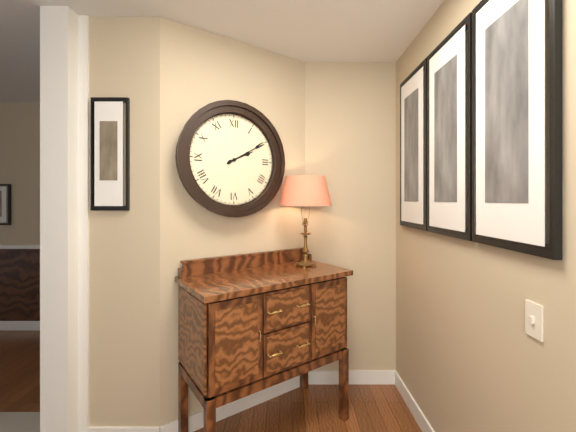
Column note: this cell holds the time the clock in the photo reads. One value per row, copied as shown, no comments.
2:10
